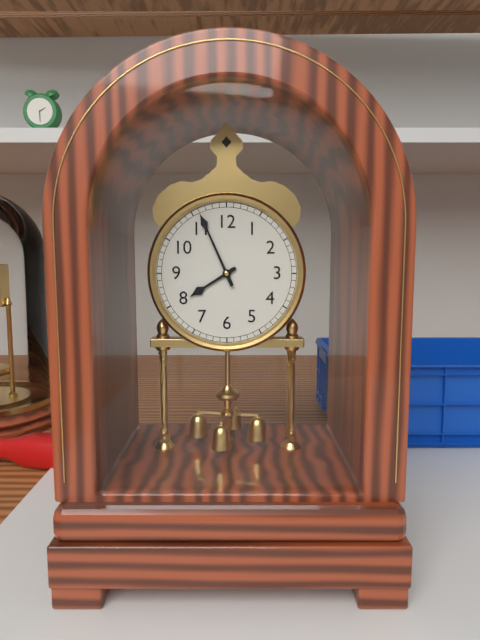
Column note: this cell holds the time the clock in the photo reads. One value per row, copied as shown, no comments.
7:56
